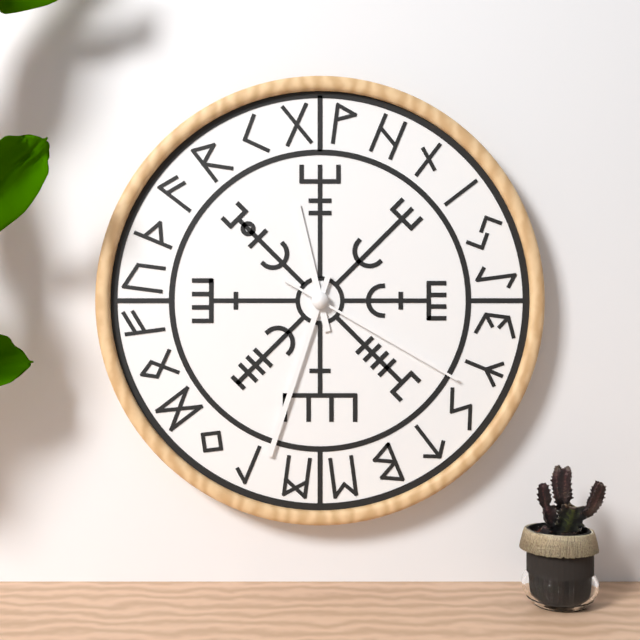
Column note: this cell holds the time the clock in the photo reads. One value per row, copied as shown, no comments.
11:33:20
